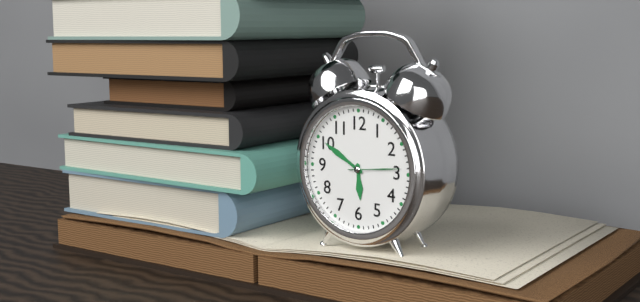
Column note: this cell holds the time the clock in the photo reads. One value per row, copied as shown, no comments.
5:50:14
